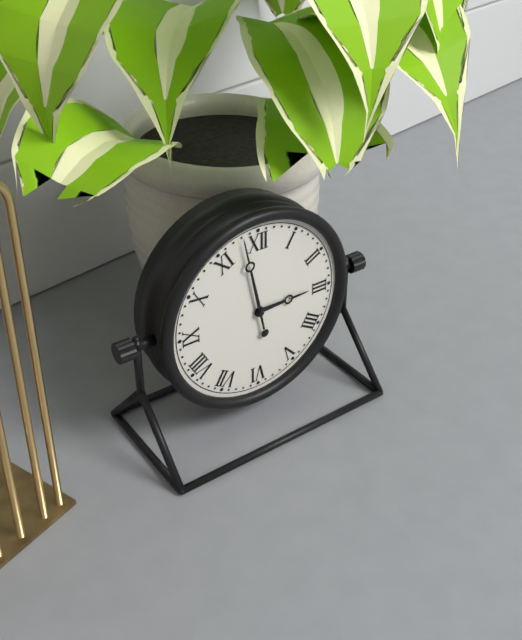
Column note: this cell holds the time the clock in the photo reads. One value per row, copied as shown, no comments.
2:58
